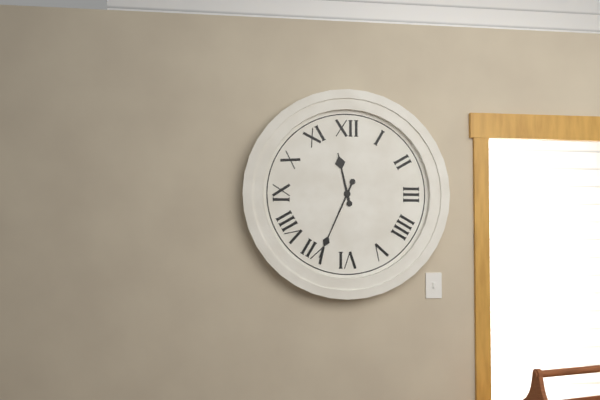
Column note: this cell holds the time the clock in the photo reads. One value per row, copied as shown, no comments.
11:34
